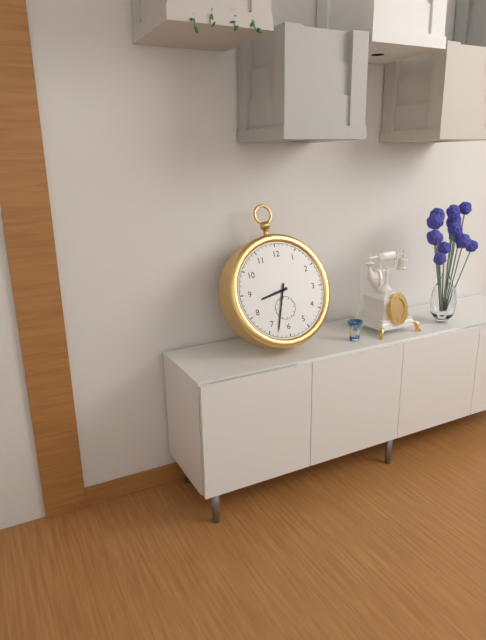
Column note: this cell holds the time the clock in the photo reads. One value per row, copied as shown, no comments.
8:33
